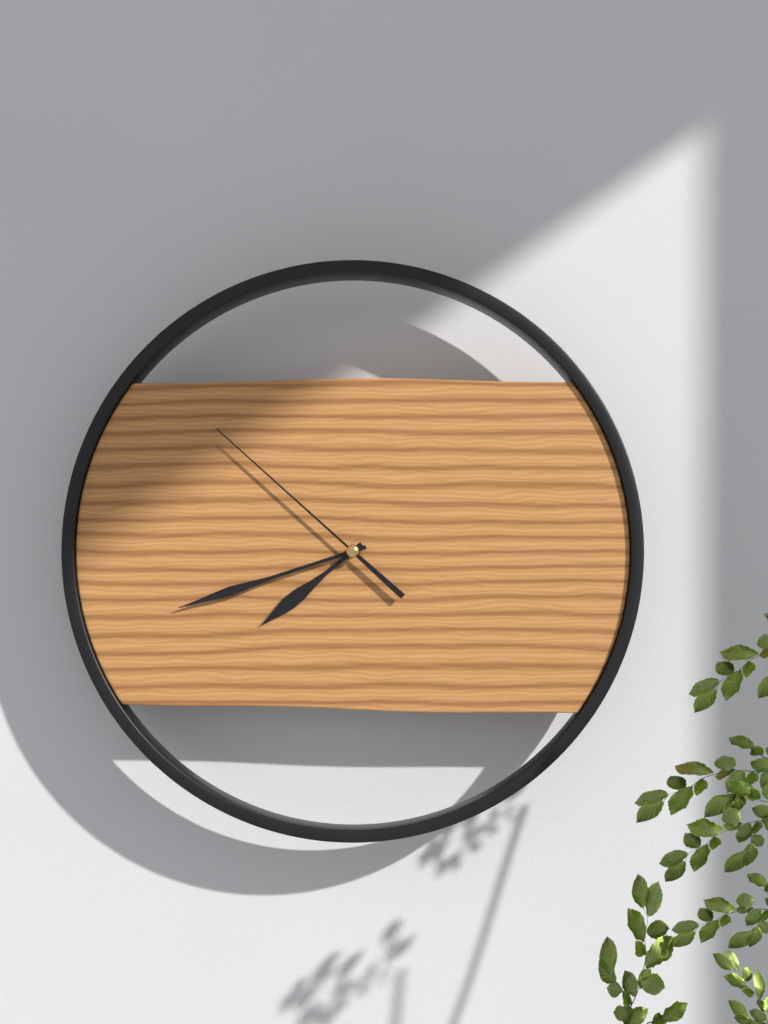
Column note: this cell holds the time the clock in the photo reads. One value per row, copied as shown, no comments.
7:42:52
